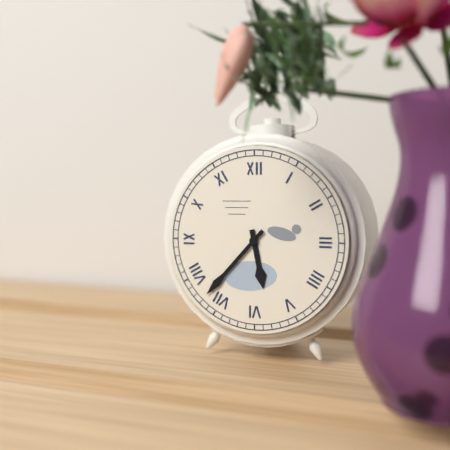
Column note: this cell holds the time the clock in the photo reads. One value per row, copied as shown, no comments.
5:37
